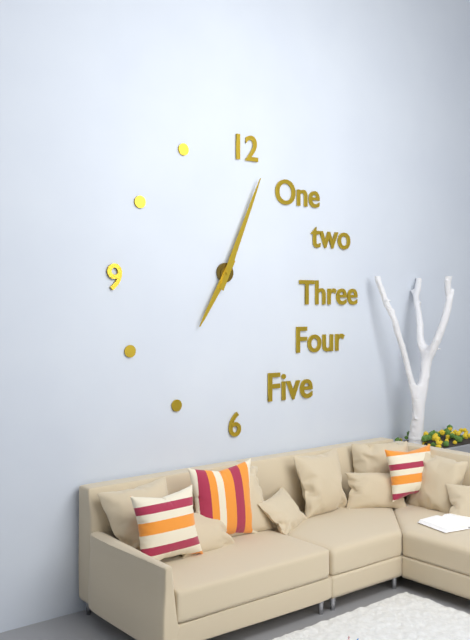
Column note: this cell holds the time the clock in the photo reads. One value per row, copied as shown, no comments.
7:04
